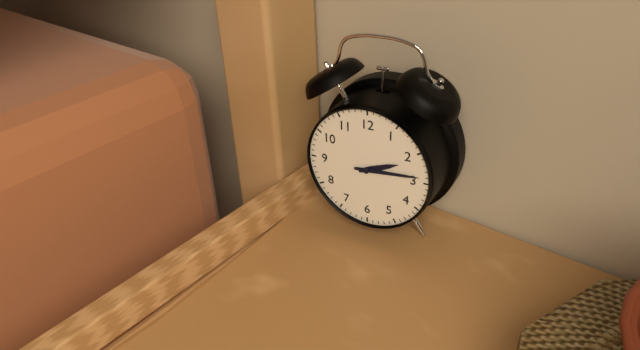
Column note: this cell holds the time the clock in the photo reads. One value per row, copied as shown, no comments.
2:14
